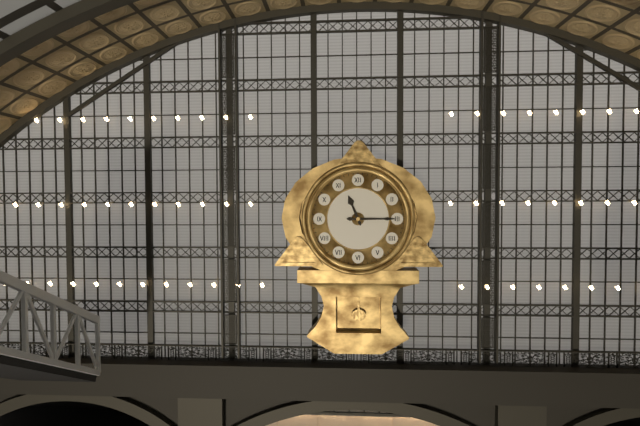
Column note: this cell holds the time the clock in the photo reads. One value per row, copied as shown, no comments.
11:15
